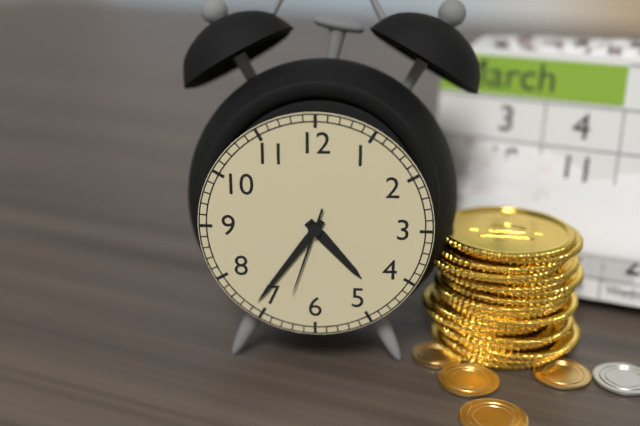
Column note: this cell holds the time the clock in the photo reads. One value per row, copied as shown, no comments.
4:36:33
